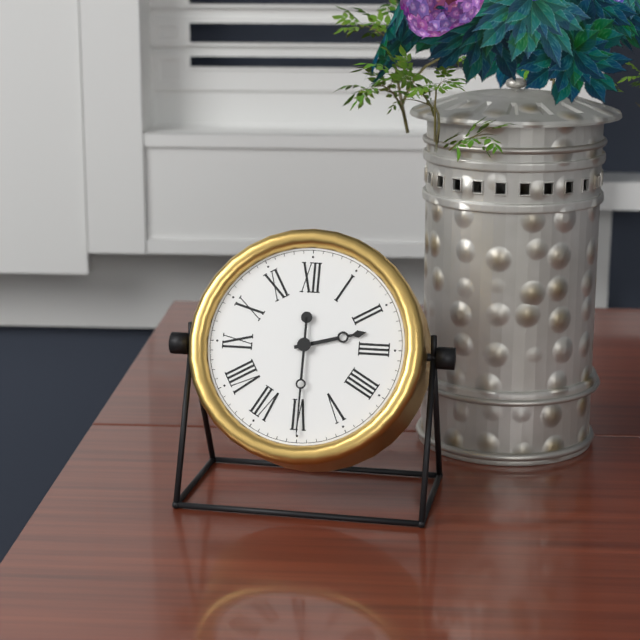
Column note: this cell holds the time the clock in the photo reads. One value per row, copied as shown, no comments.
2:30
